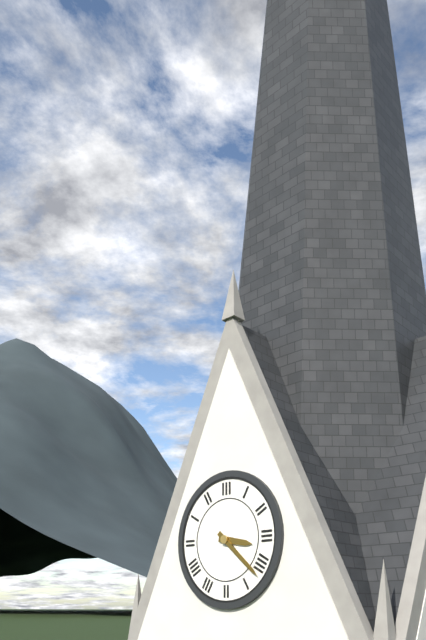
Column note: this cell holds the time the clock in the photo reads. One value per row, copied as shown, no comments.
3:22
